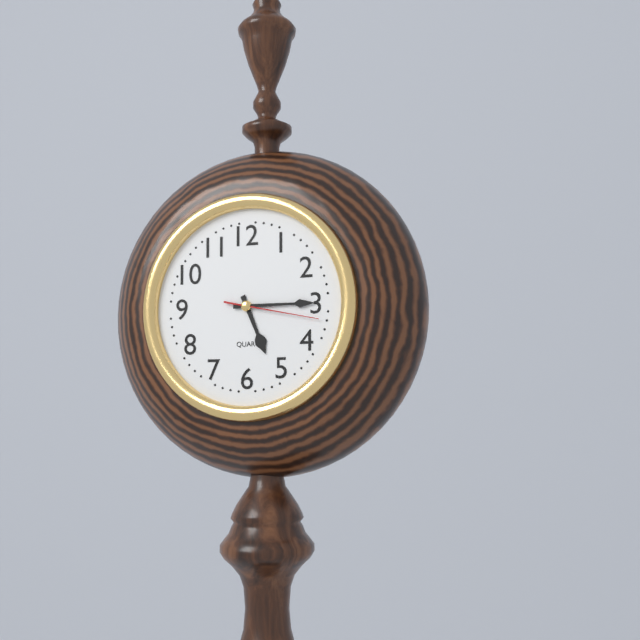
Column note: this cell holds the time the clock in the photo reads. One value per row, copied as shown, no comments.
5:15:17
